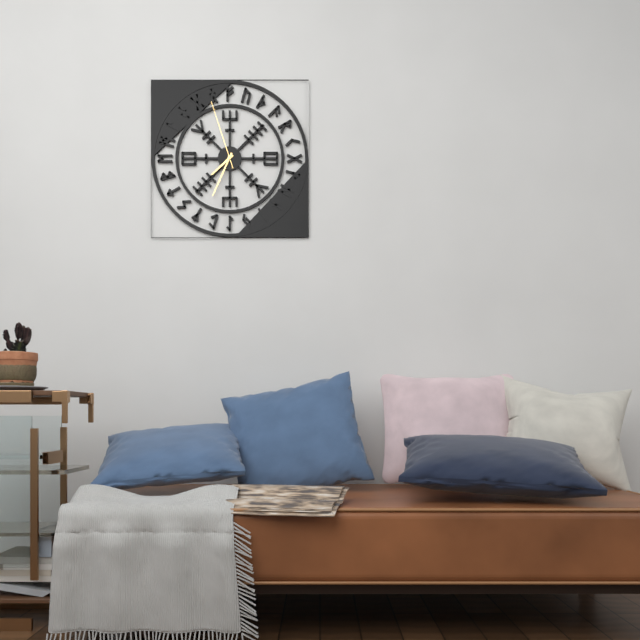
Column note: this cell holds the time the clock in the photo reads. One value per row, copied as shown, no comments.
7:34:57
